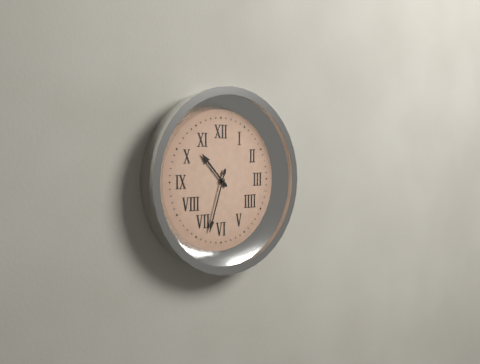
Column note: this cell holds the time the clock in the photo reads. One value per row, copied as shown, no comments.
10:33
